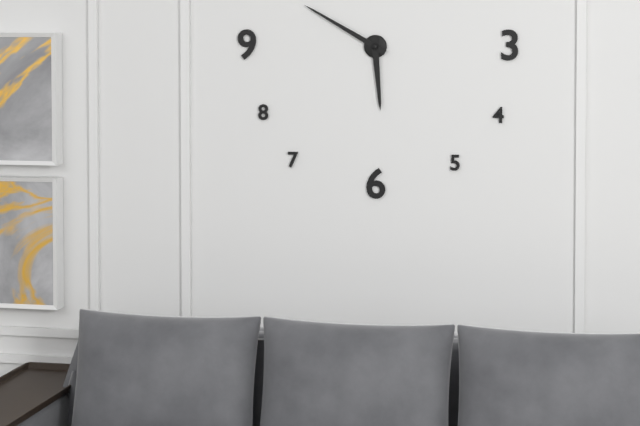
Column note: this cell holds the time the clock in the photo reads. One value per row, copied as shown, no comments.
5:50
